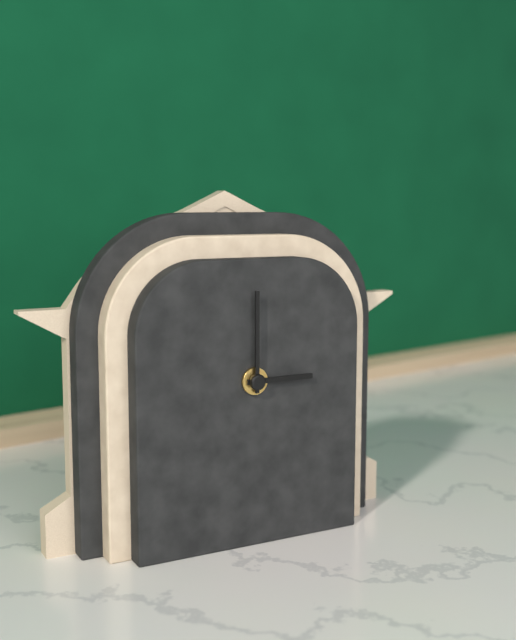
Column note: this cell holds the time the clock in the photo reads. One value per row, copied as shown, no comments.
3:00
